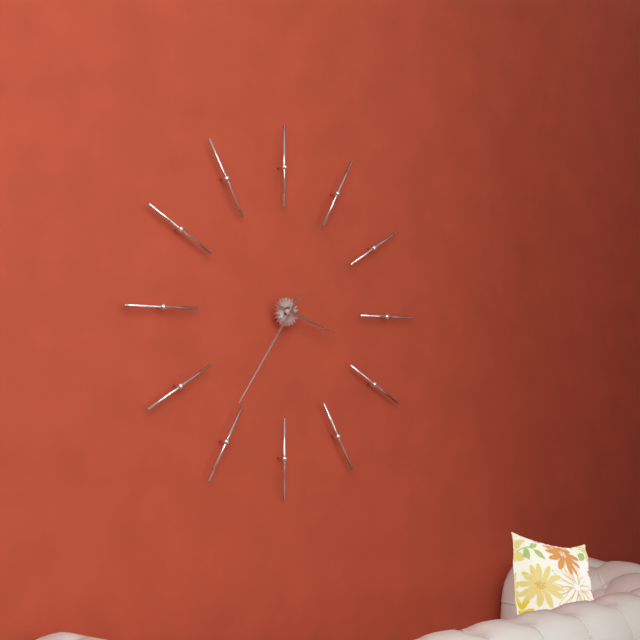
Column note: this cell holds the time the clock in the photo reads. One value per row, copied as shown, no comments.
3:36
